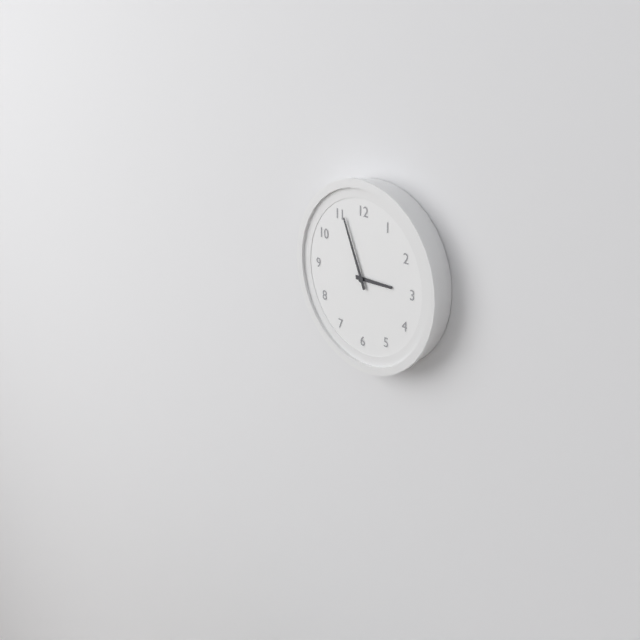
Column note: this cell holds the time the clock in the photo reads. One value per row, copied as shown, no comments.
2:56
